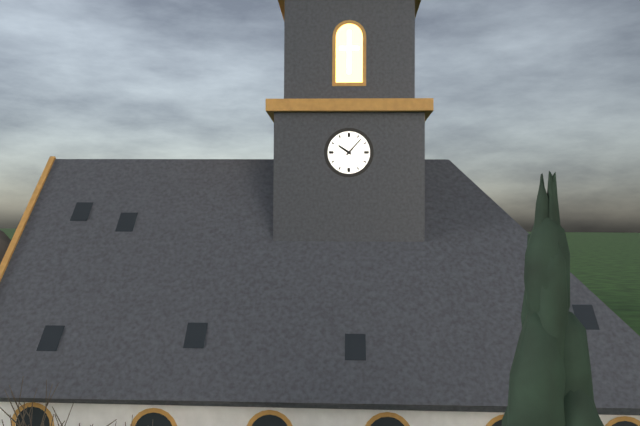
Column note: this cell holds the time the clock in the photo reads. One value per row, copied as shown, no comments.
10:07
